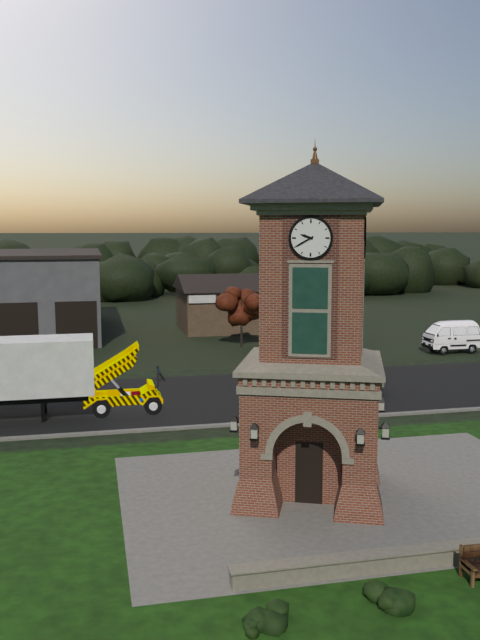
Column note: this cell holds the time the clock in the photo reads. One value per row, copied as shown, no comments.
9:40
